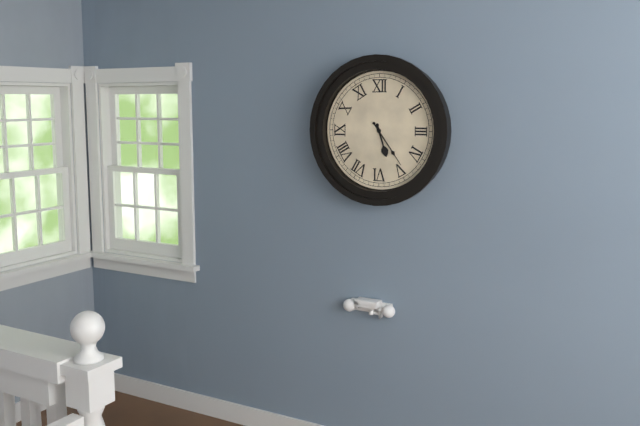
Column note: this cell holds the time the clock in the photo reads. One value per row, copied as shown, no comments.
5:24
